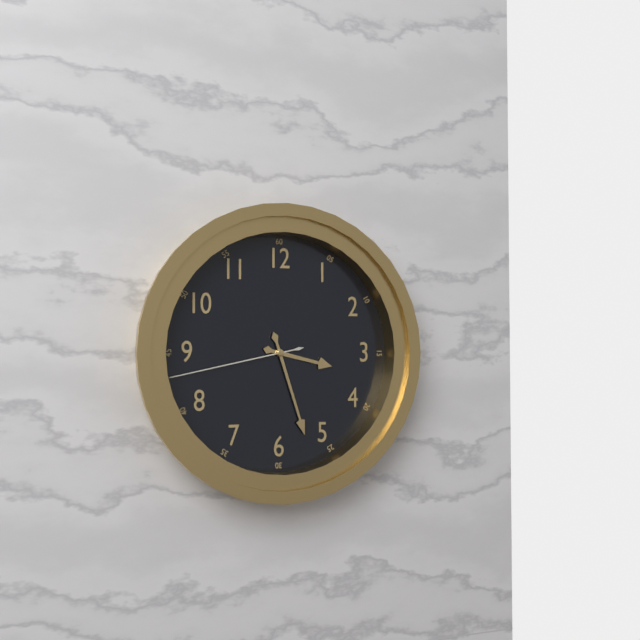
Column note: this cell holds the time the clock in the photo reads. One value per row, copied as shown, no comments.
3:27:43
